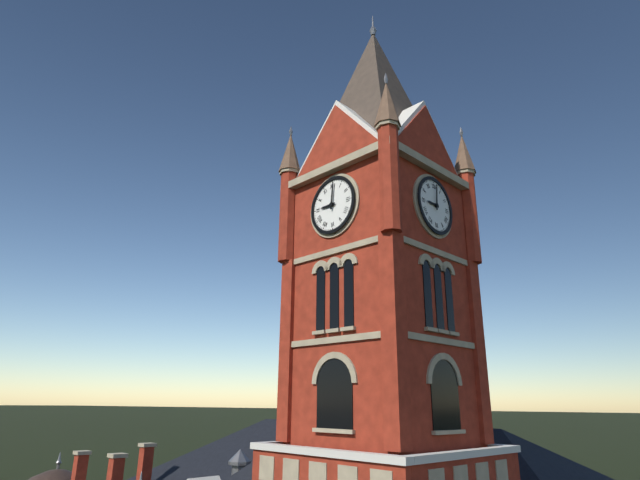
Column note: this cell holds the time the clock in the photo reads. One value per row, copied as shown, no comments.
9:01
